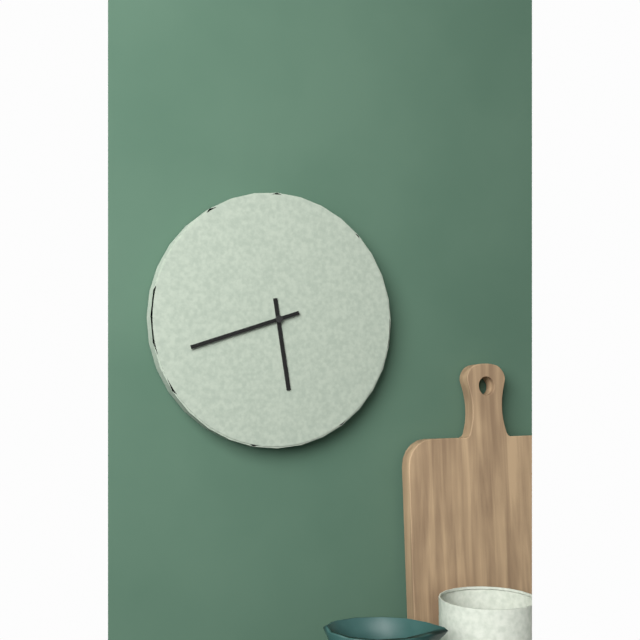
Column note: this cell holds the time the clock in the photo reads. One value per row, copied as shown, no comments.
5:42
